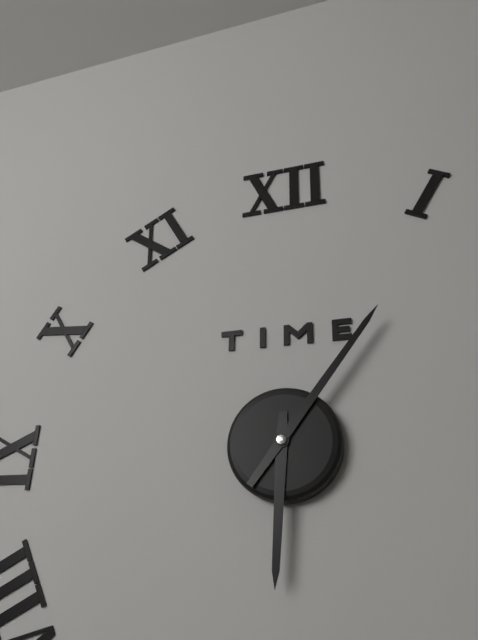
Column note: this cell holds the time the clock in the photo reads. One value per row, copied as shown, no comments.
6:06
